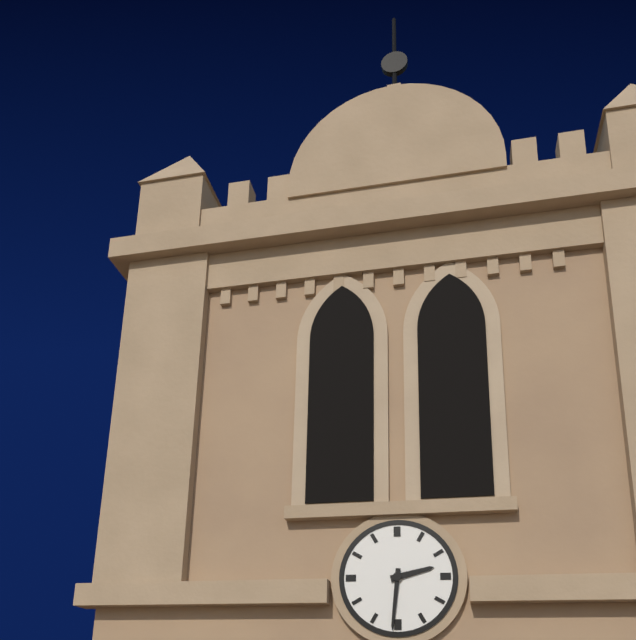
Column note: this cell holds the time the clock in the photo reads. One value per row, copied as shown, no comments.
2:31
